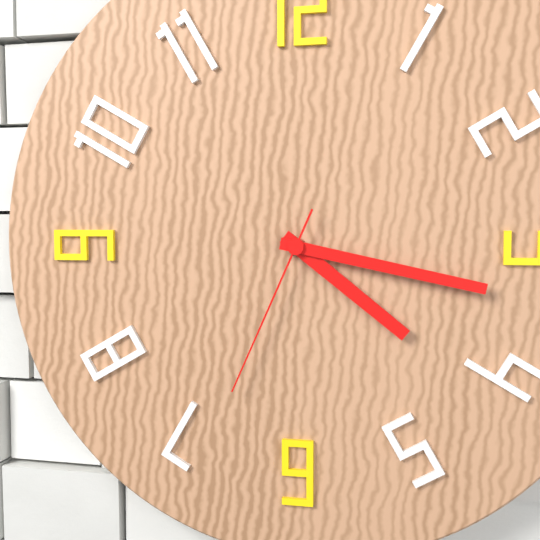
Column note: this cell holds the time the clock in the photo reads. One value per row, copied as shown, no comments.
4:17:34
